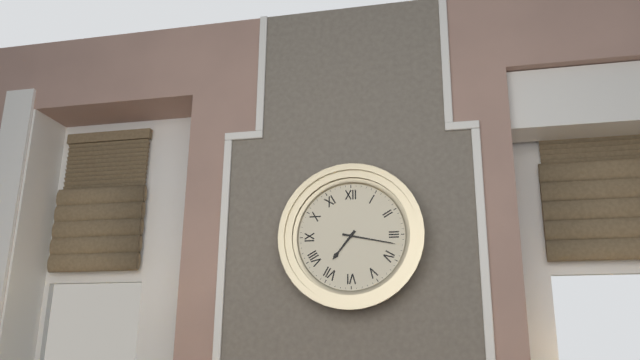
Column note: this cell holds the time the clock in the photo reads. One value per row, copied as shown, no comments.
7:17
